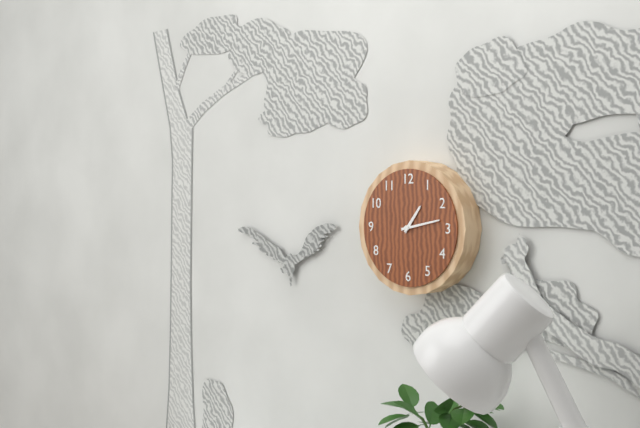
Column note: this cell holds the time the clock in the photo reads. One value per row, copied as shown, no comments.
1:13
